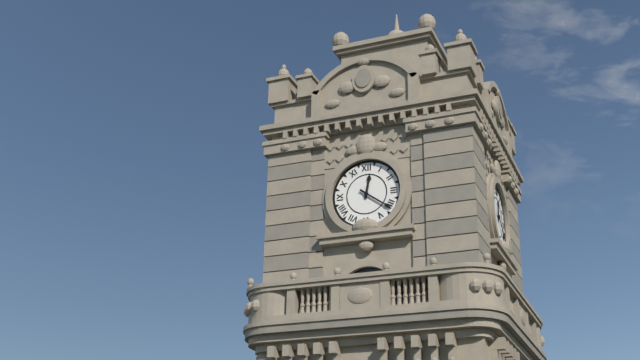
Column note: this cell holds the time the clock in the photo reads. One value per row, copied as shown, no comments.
12:21
